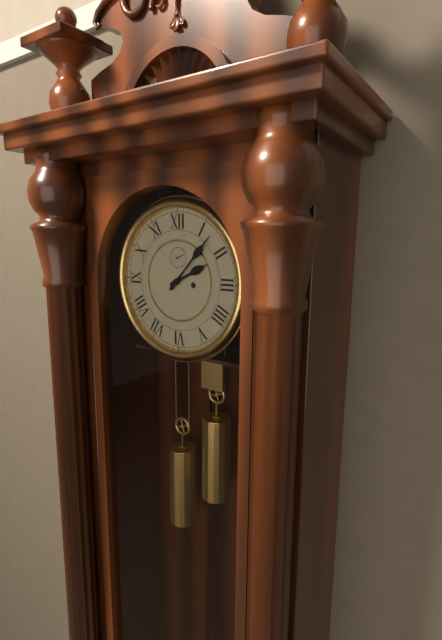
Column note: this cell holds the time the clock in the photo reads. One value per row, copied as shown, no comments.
2:07
